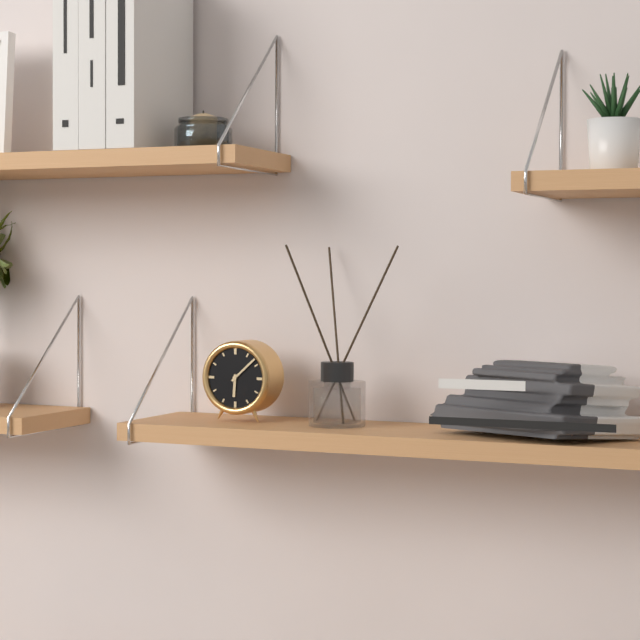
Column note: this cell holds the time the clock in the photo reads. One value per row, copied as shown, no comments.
6:08
